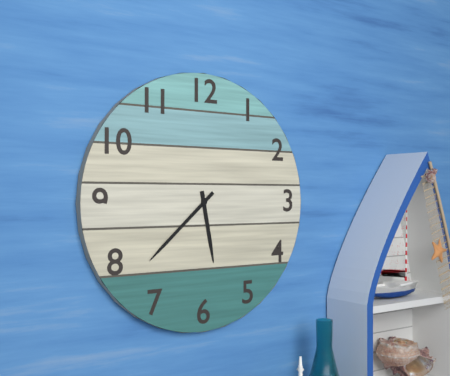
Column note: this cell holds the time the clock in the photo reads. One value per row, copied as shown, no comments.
5:38
